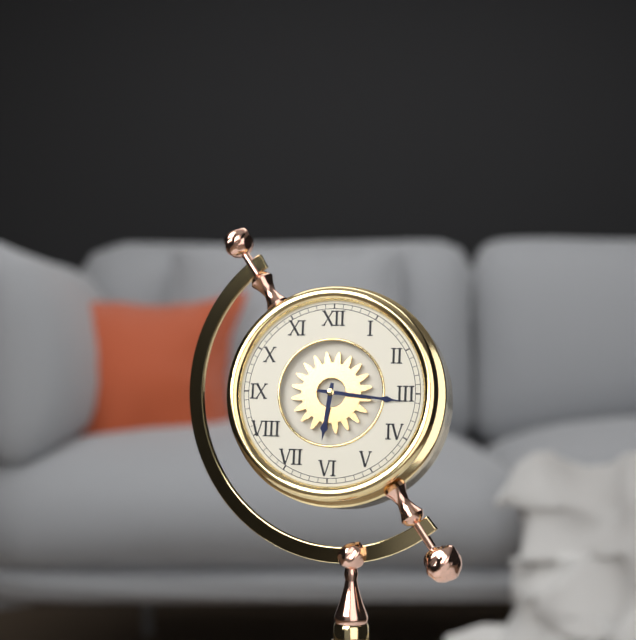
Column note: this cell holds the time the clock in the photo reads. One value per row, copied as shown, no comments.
6:16
